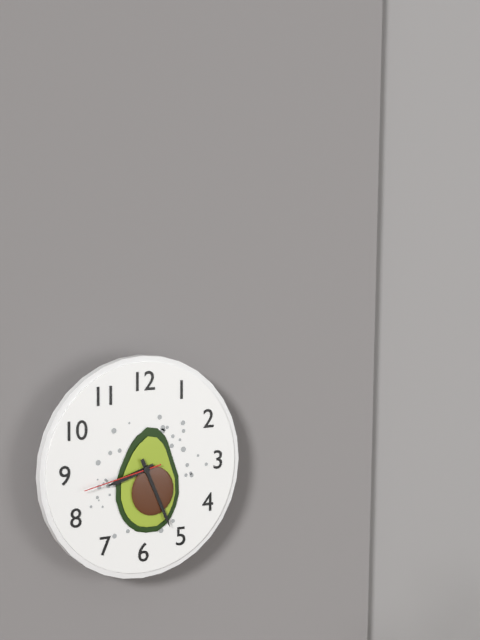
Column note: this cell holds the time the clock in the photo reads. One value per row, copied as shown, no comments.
8:26:43
